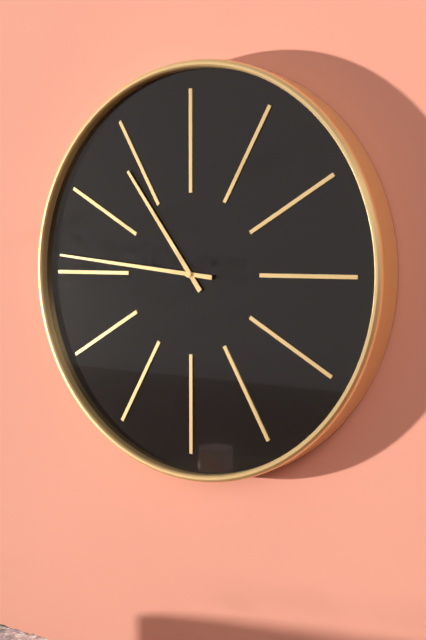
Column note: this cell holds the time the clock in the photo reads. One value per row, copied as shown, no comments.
10:46
